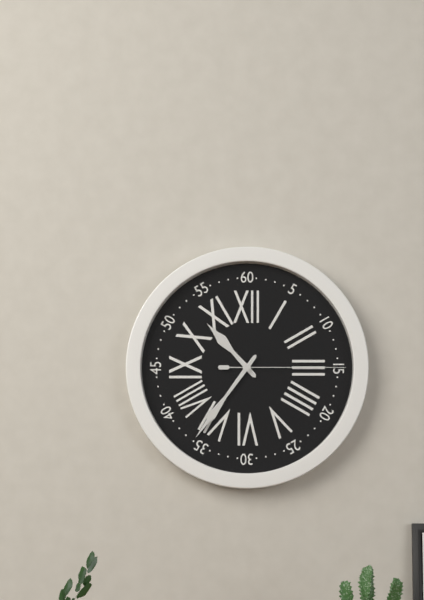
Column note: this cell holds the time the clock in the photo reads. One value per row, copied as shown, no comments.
10:36:15
